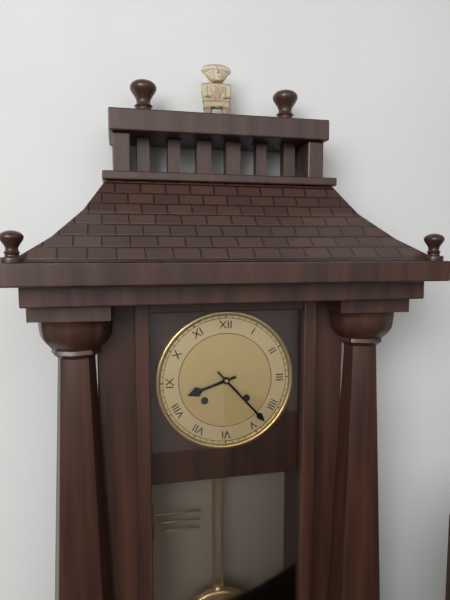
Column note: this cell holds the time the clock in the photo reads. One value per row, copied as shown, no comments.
8:23
